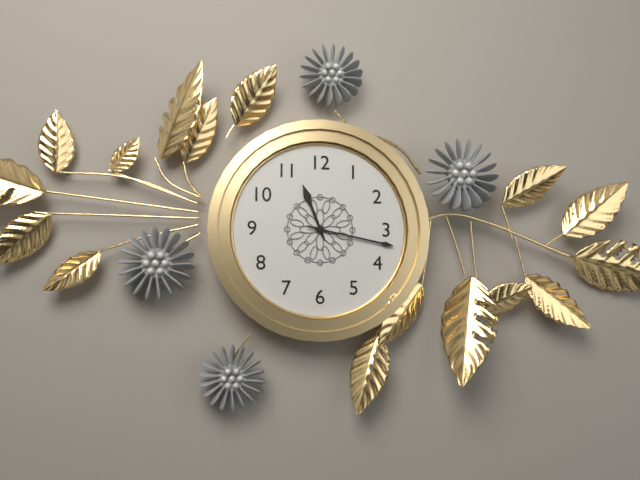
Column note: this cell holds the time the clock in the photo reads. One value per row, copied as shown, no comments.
11:17
